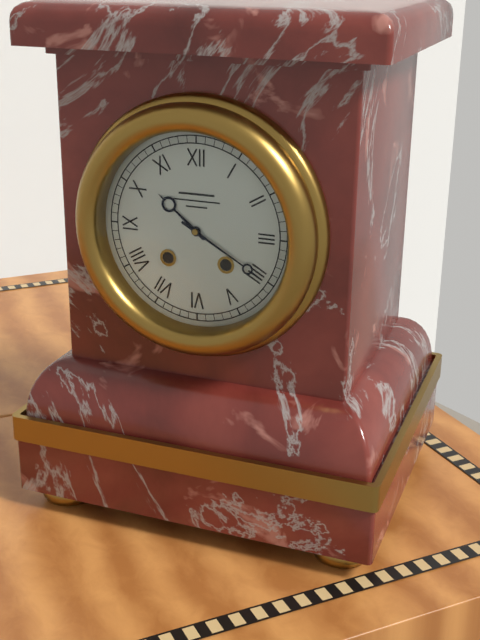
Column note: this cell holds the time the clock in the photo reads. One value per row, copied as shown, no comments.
10:20
